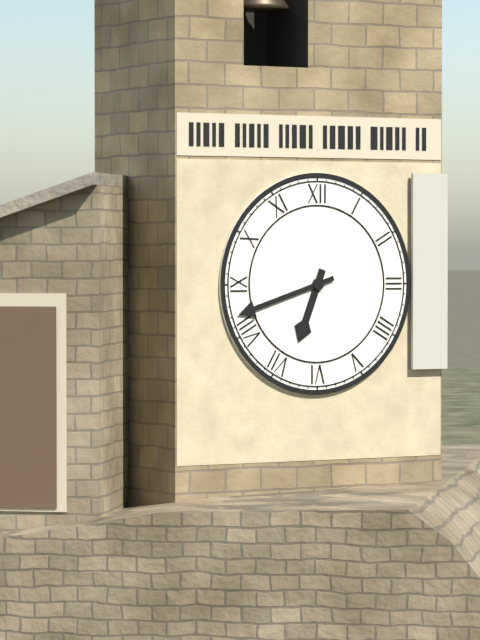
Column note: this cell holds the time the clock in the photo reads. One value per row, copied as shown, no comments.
6:42
